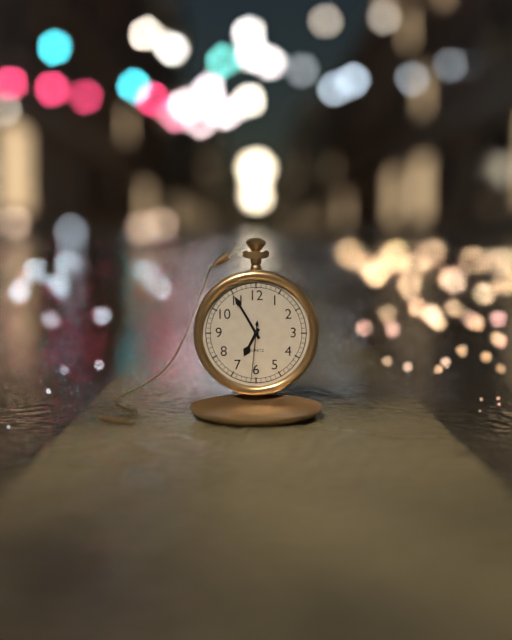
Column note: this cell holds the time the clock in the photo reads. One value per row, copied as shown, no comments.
6:55:31
